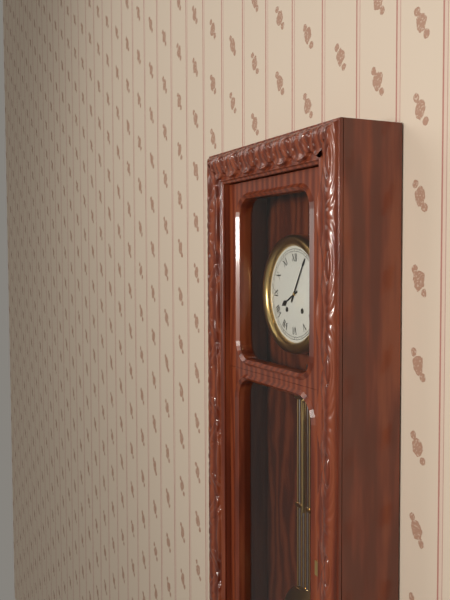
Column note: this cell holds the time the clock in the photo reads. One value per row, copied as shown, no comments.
8:05
